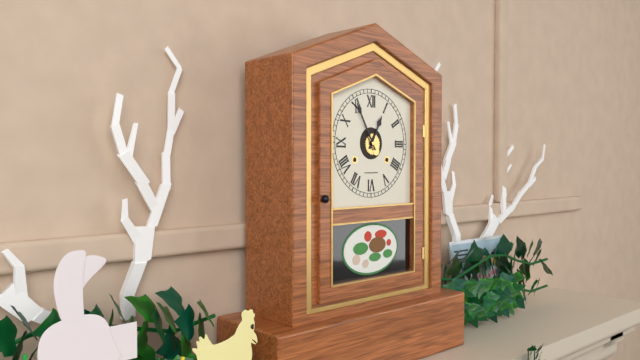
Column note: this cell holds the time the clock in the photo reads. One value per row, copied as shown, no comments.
12:55
